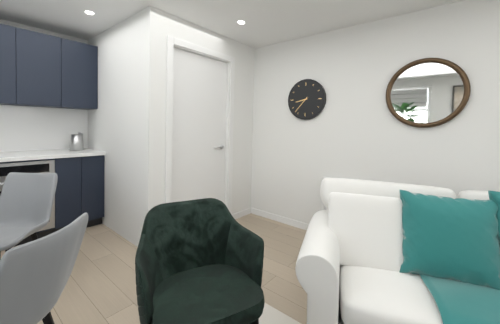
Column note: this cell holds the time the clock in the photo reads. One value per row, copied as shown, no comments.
8:37
